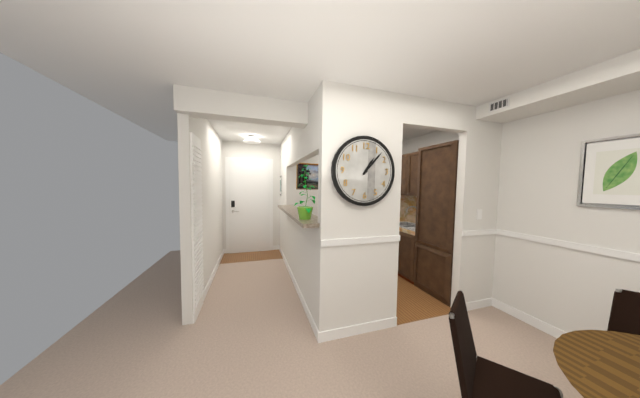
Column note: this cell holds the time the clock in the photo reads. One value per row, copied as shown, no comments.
1:07
